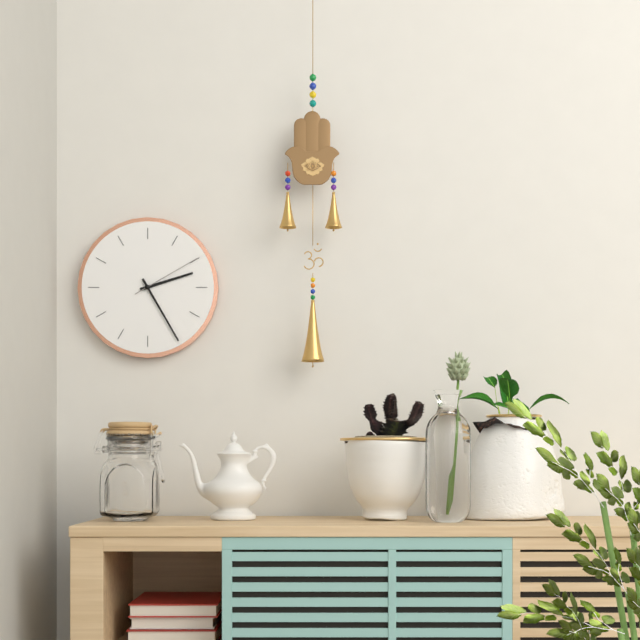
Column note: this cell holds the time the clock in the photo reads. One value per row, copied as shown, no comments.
2:25:10
